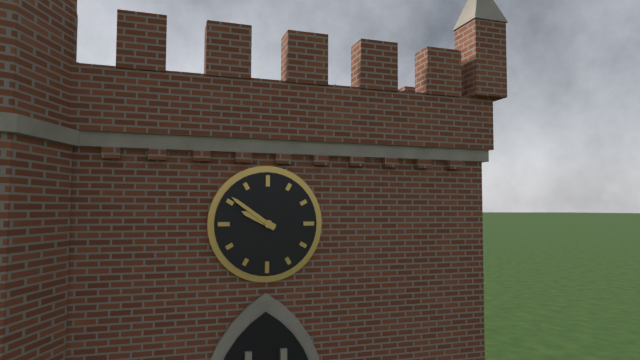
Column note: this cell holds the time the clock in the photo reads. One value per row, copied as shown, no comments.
9:51
